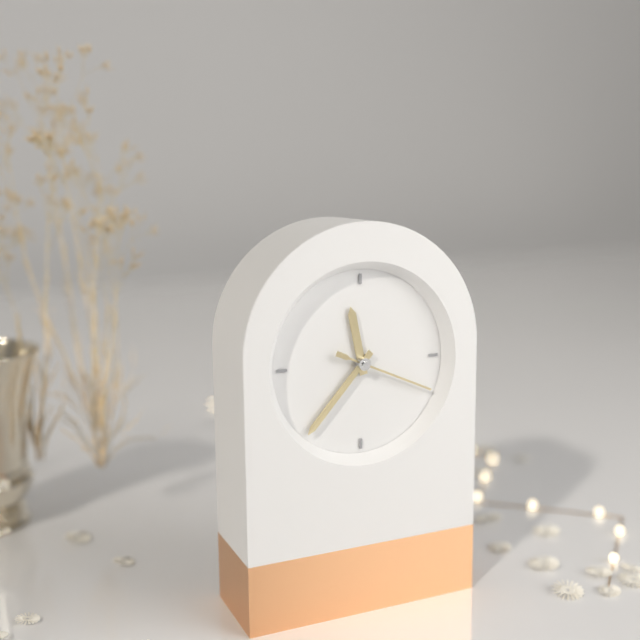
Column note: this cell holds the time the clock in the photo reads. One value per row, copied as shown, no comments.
11:37:19
